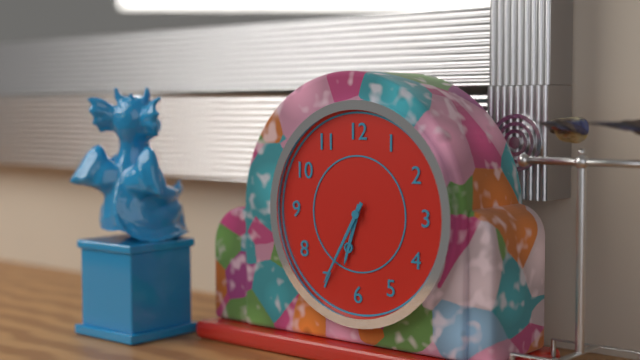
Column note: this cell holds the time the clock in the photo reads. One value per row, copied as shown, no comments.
6:35
